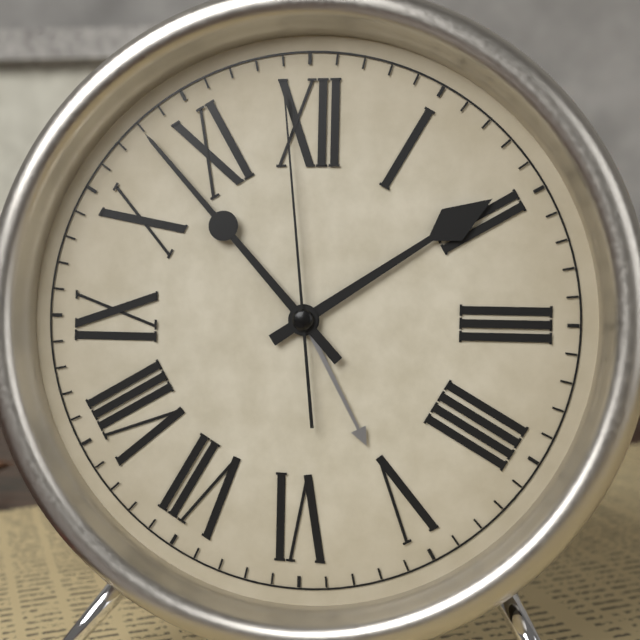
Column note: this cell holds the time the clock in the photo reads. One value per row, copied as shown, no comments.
1:53:59
